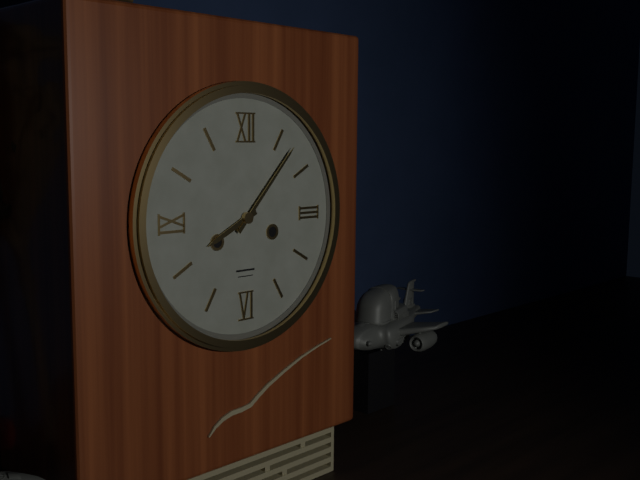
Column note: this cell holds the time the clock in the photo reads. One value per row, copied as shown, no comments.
8:07
